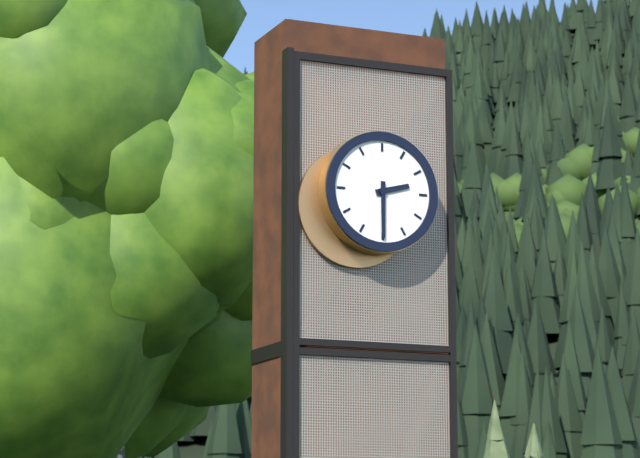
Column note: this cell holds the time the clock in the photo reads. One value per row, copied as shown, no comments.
2:30
